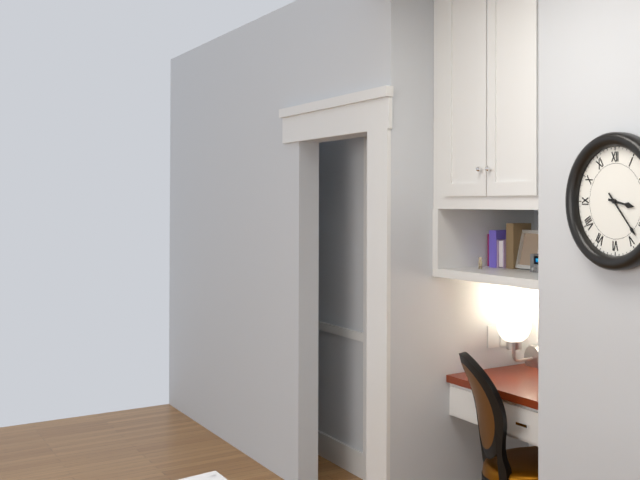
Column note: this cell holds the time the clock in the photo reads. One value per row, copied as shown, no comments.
3:23
